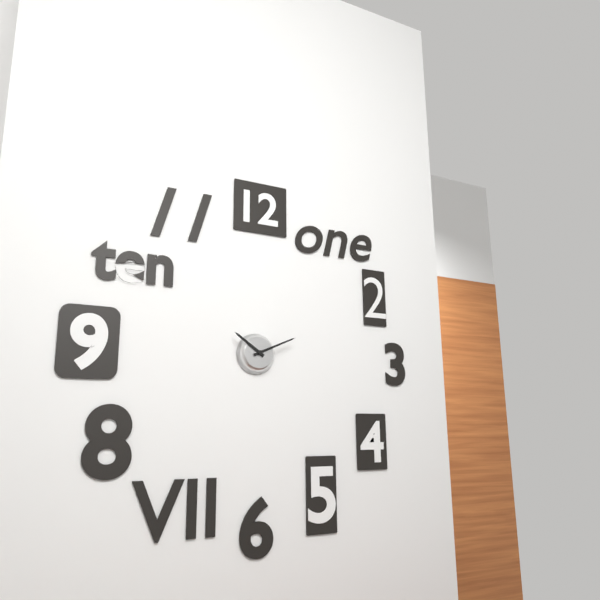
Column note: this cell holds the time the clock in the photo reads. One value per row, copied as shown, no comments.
10:11
